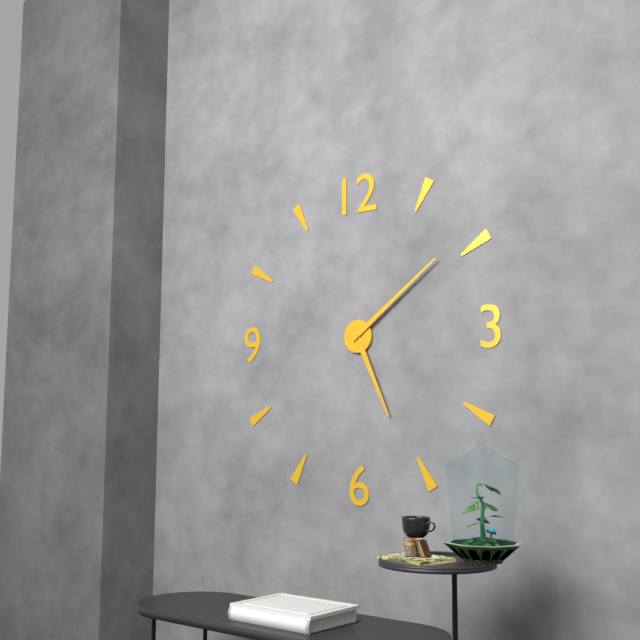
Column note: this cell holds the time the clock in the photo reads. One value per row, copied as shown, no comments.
5:09
